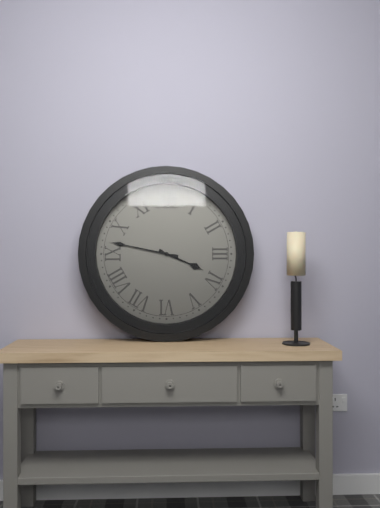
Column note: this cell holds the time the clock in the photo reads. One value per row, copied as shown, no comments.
3:47
